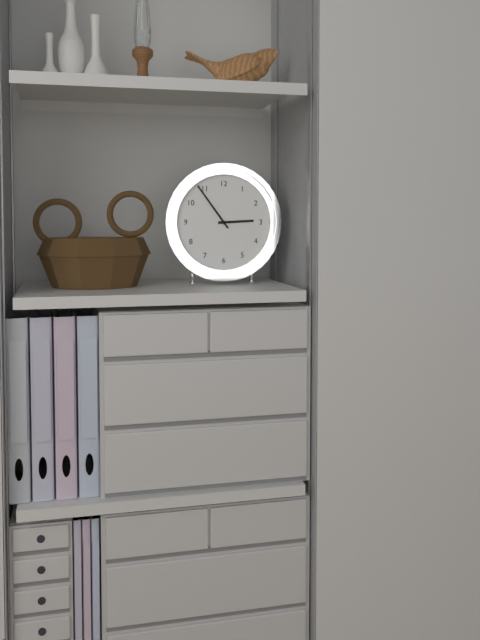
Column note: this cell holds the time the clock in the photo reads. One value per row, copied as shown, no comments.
2:54
